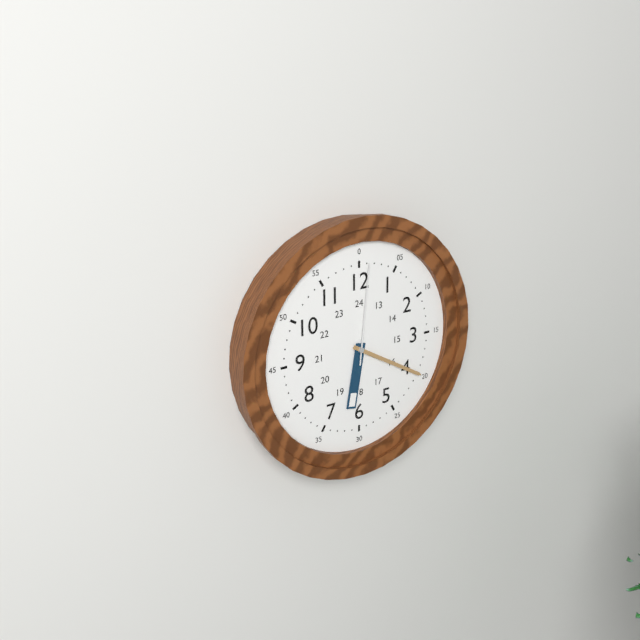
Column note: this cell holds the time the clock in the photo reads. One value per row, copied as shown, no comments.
6:20:01
